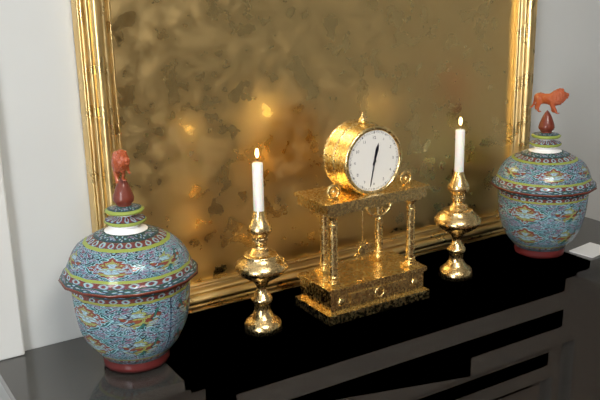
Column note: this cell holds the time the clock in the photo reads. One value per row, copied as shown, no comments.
12:32
